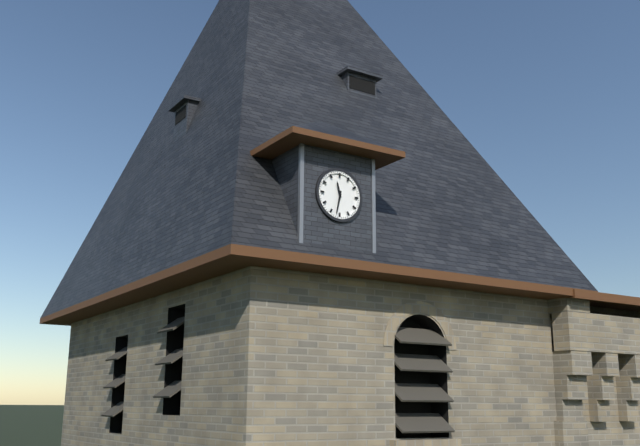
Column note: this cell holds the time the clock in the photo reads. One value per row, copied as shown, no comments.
11:32
